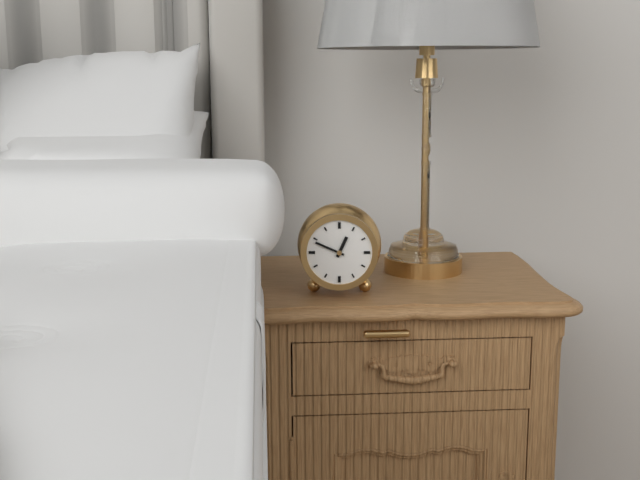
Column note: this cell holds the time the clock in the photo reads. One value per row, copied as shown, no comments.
12:49
